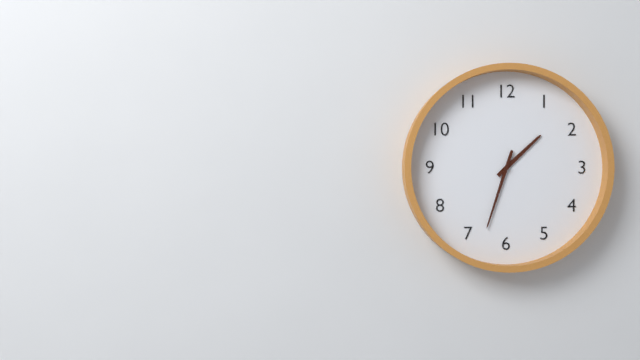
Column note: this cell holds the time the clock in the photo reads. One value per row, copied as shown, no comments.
1:33
